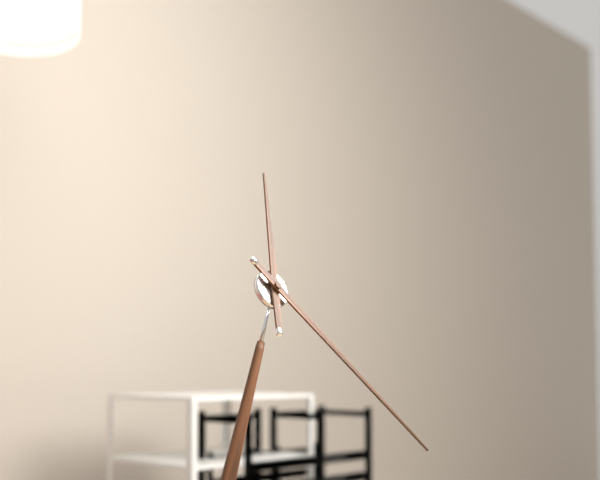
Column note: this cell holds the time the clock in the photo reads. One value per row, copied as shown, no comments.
12:23
